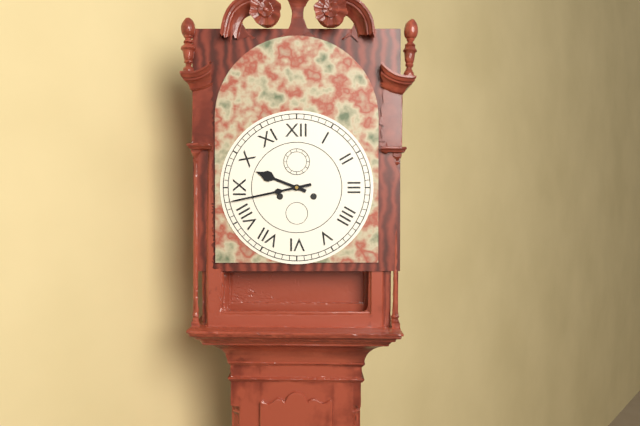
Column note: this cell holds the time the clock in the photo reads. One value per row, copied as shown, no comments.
9:43
